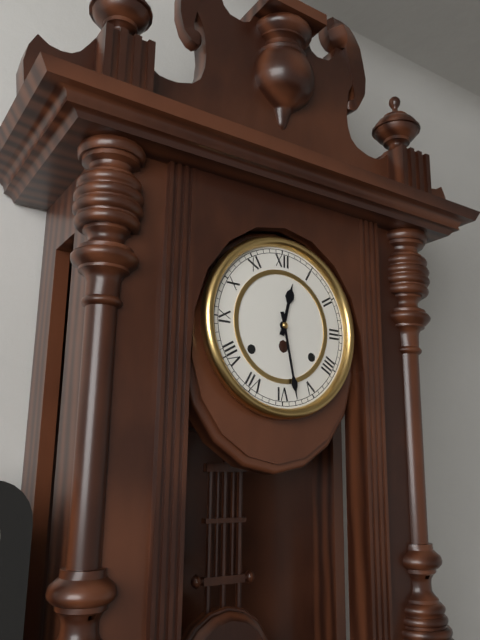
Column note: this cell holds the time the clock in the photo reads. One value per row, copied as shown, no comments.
12:28
